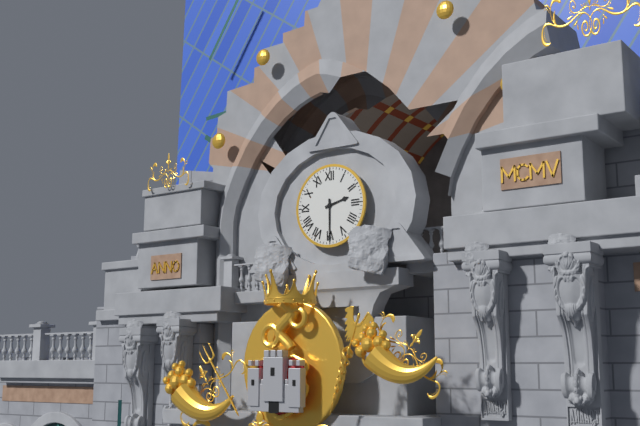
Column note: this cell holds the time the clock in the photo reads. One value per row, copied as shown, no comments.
2:30
